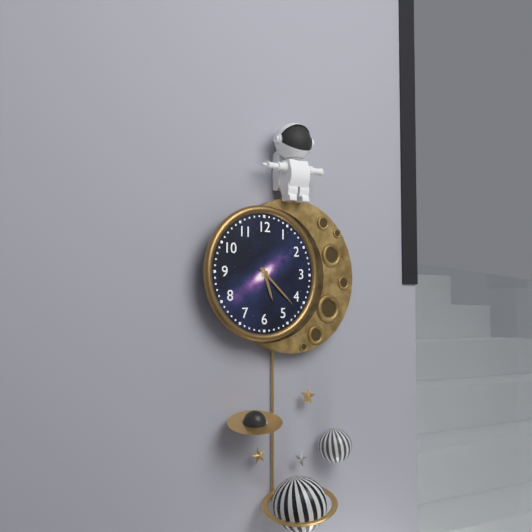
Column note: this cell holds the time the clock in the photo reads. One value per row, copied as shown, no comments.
5:22
